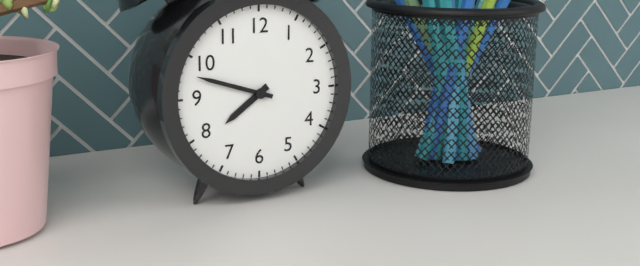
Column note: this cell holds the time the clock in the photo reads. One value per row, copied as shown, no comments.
7:48
